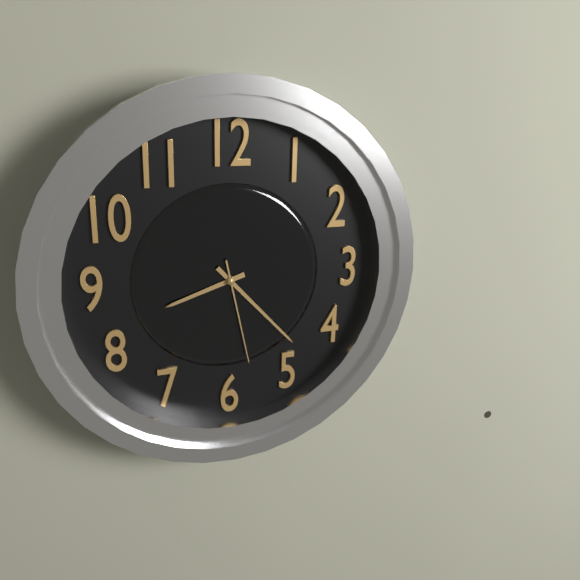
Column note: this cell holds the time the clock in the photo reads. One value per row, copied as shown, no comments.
8:23:28
